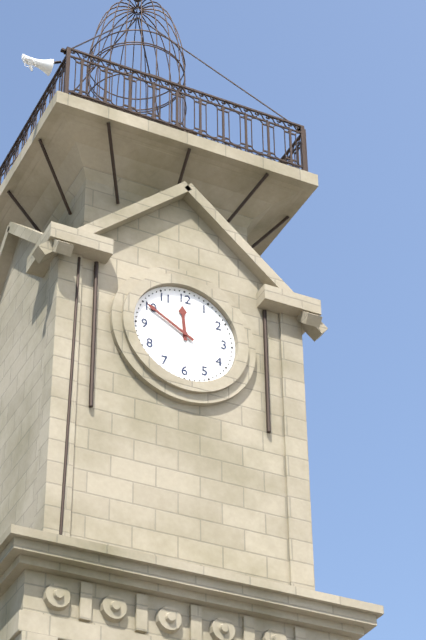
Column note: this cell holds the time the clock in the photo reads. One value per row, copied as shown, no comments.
11:50
